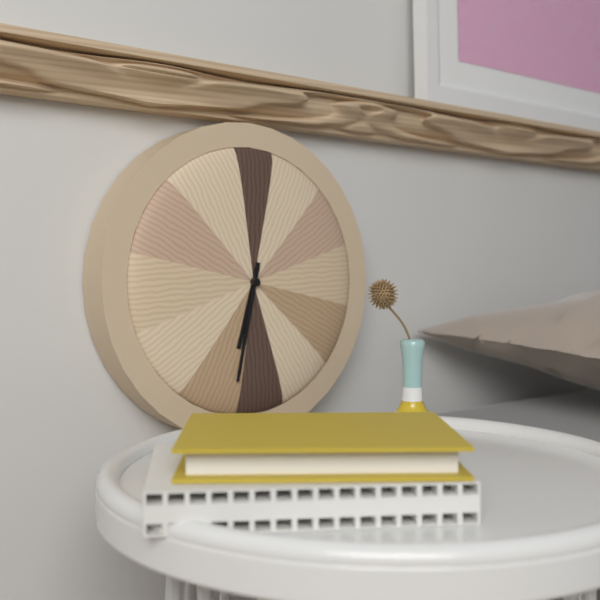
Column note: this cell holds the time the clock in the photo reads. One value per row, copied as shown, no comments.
6:32
